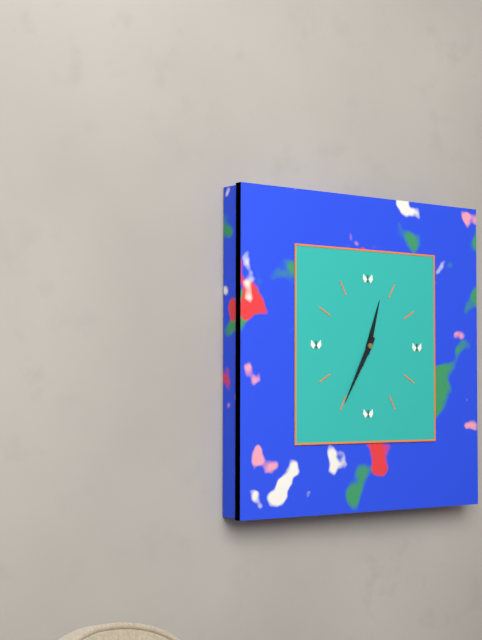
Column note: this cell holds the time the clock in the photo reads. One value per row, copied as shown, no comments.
12:35
